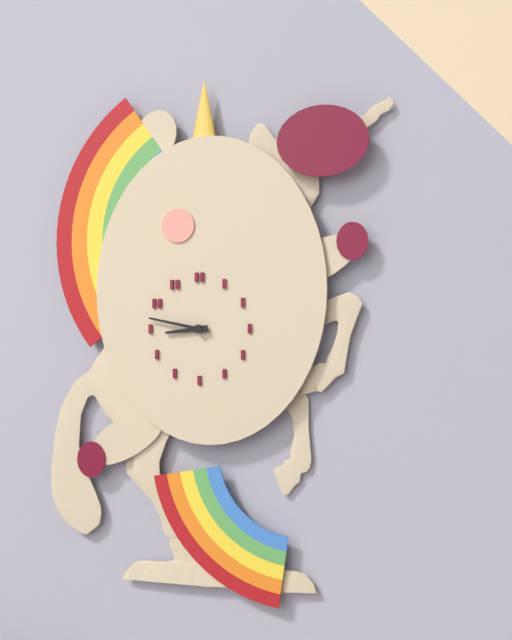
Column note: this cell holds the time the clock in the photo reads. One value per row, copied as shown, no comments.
8:47
